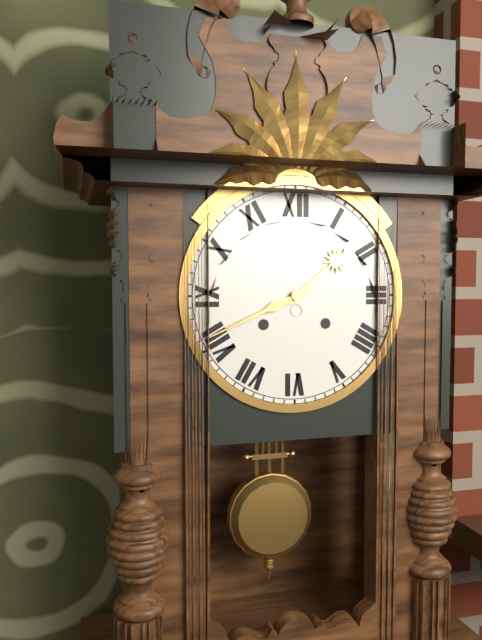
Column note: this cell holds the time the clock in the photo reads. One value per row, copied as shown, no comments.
1:41
